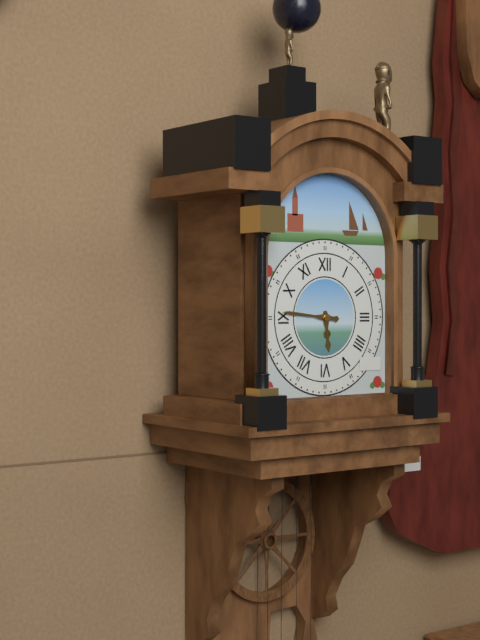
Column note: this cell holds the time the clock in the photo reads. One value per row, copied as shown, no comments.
5:46
